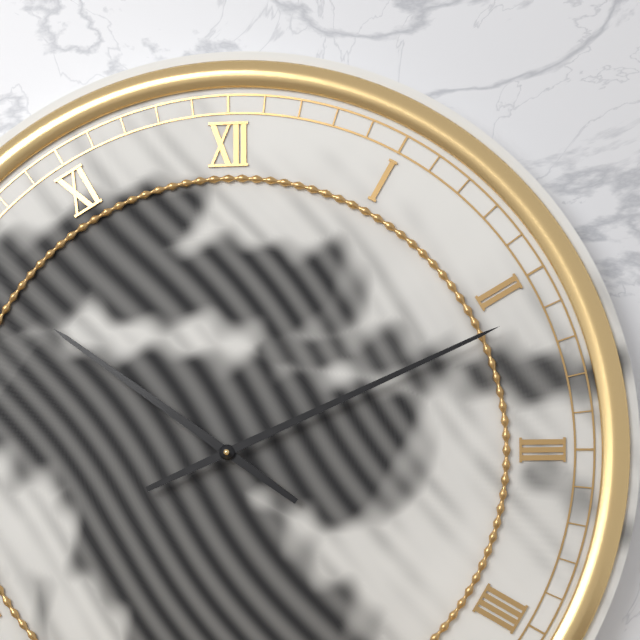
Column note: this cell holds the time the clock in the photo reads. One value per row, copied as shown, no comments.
10:11
